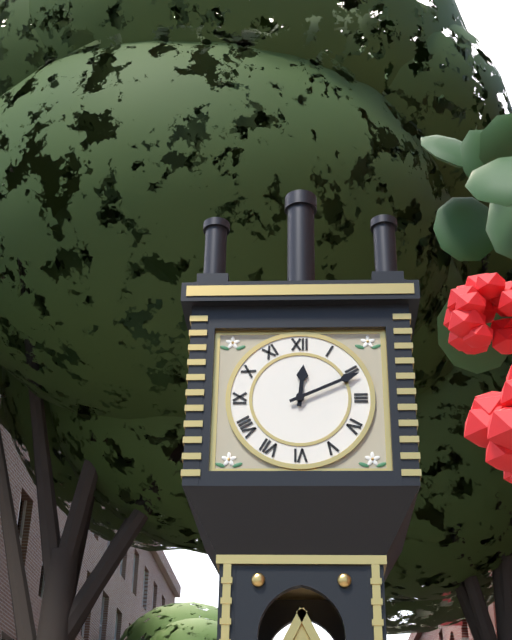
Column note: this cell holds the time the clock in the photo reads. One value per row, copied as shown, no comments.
12:11
